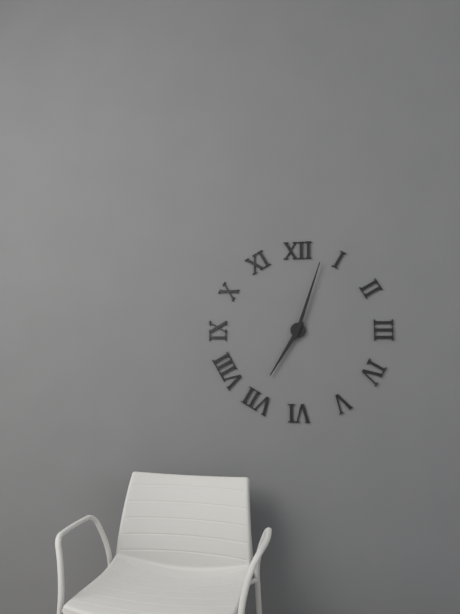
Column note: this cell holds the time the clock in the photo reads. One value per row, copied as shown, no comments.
7:03
